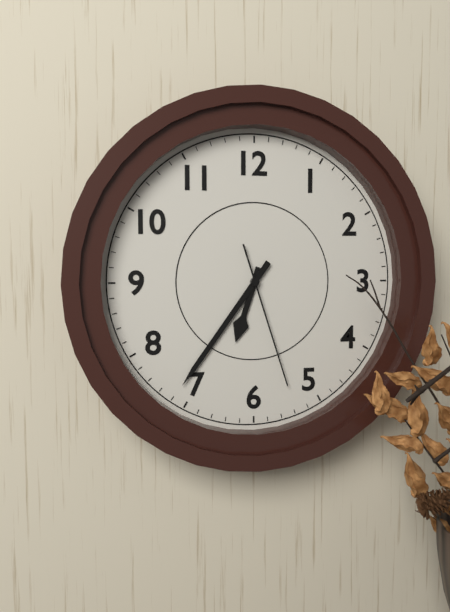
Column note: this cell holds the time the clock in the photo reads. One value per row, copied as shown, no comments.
6:36:27
